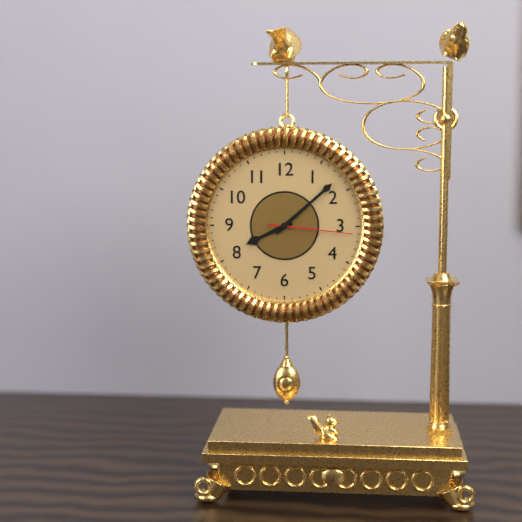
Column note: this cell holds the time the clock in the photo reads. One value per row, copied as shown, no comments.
8:08:16
